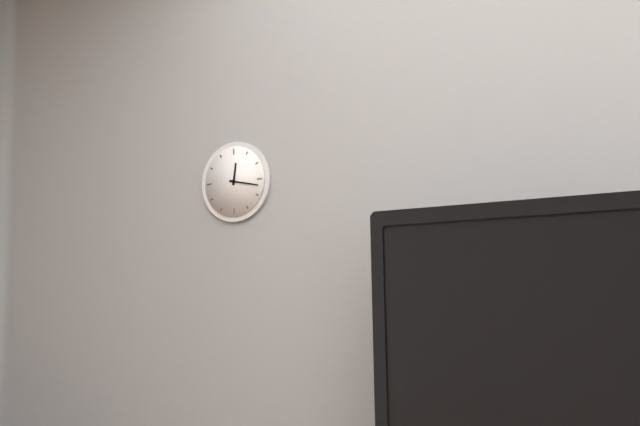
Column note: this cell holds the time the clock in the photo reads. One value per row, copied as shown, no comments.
12:17
